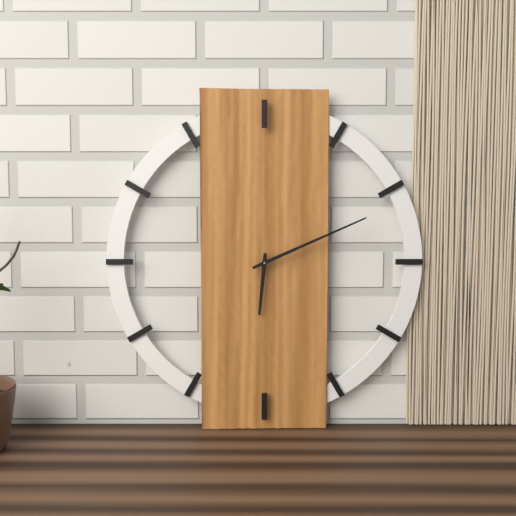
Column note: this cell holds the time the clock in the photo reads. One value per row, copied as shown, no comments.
6:11
